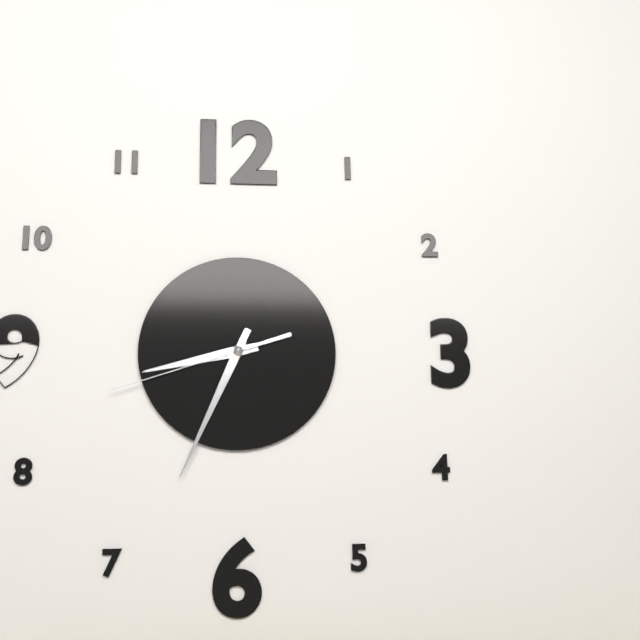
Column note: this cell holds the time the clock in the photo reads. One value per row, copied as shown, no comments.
8:34:42
